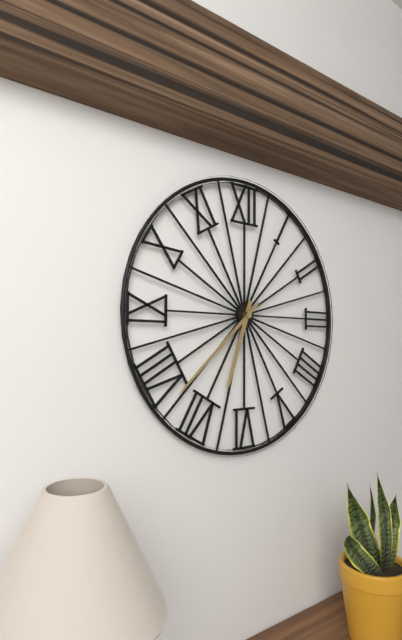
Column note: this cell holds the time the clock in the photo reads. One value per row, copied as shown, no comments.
6:38
